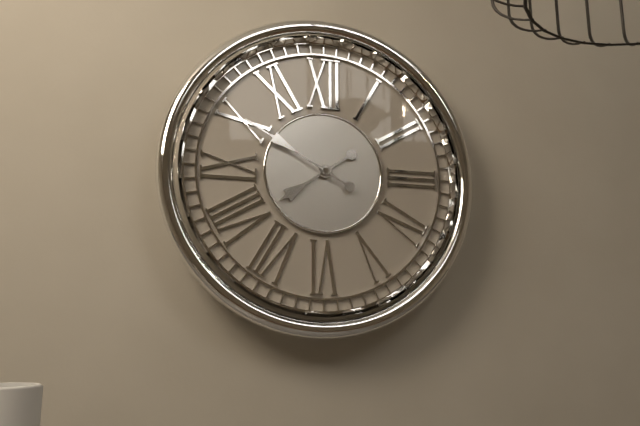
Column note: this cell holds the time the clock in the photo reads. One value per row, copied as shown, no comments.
7:50
